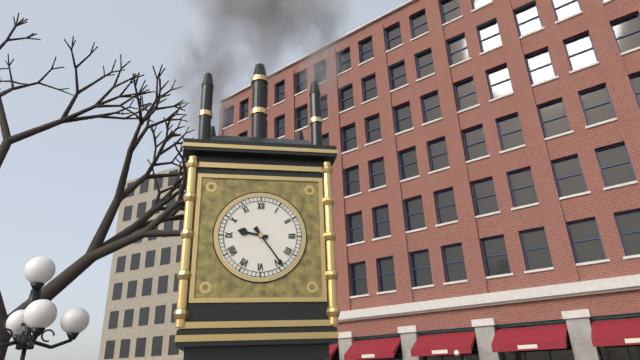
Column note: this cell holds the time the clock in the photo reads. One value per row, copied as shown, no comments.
9:24
